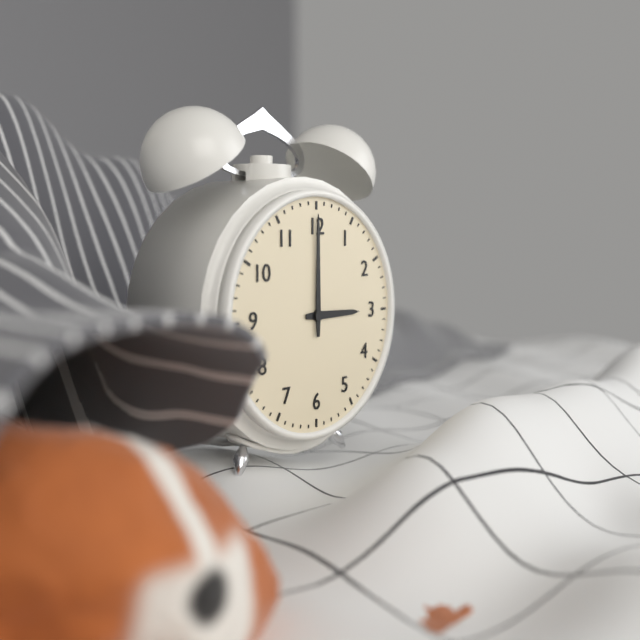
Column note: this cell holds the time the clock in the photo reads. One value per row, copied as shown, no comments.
3:00
